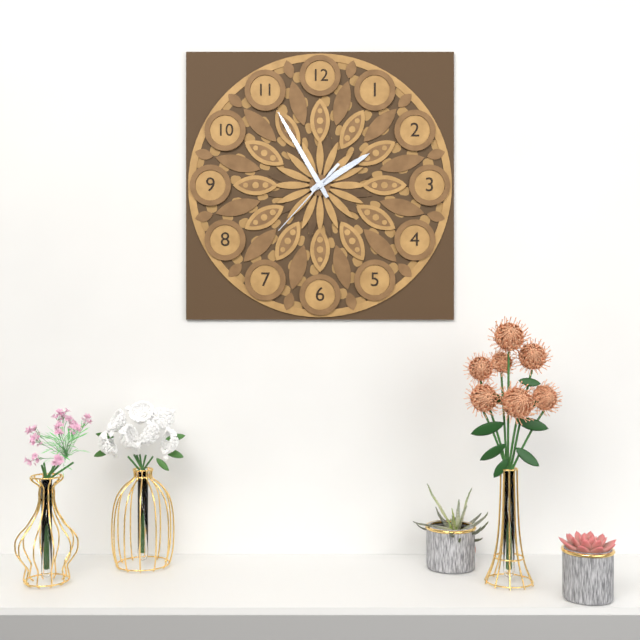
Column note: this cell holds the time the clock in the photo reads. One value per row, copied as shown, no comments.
1:55:37
